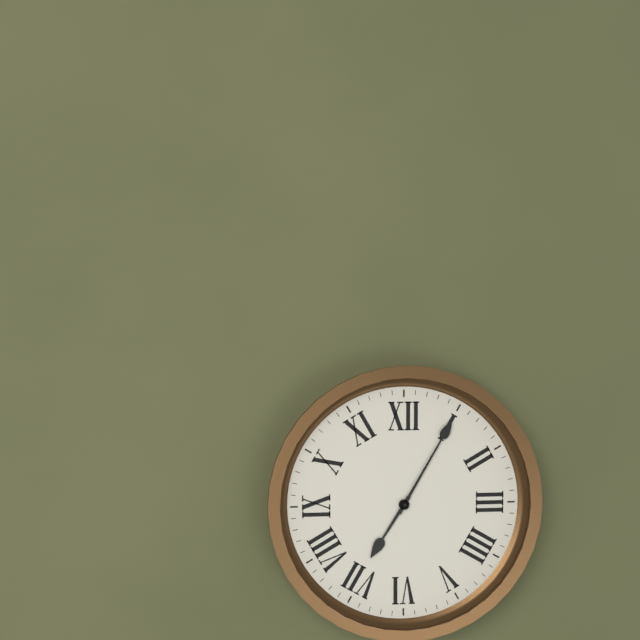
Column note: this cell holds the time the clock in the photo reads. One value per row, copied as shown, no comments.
7:05
